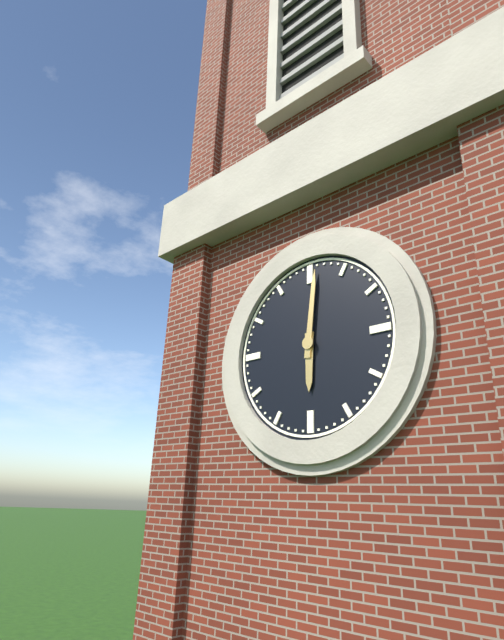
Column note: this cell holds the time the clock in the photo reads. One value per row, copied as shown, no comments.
6:01
